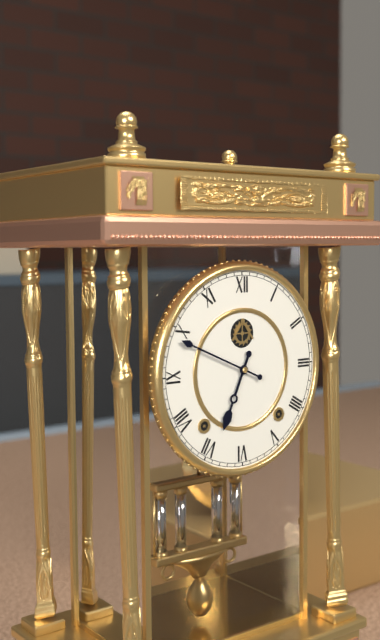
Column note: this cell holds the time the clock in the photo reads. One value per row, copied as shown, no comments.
6:49
